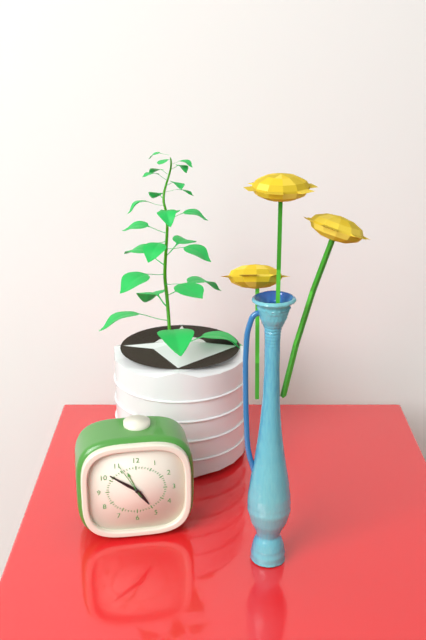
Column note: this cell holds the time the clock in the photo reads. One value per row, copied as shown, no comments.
4:51
